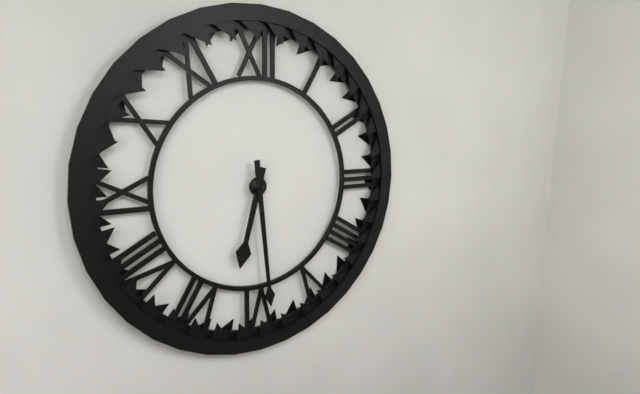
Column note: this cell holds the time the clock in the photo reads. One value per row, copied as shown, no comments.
6:29
